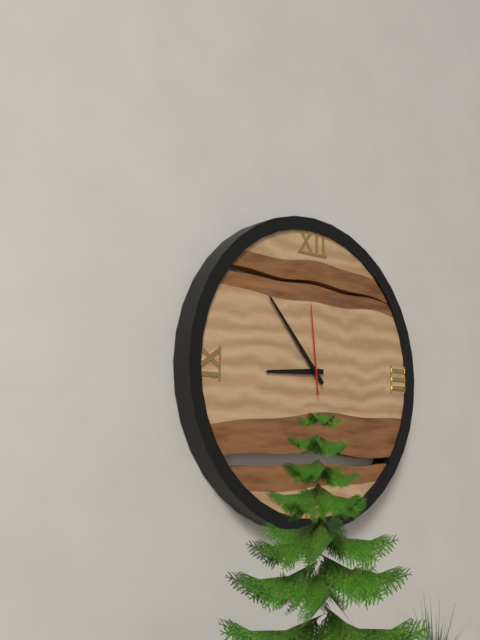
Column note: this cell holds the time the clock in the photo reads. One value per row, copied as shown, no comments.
8:53:59
